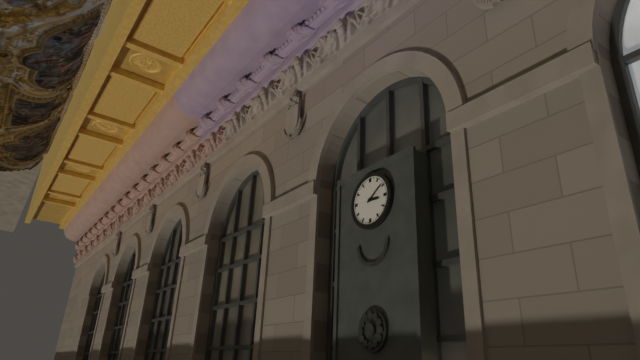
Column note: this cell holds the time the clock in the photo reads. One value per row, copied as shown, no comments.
3:09
